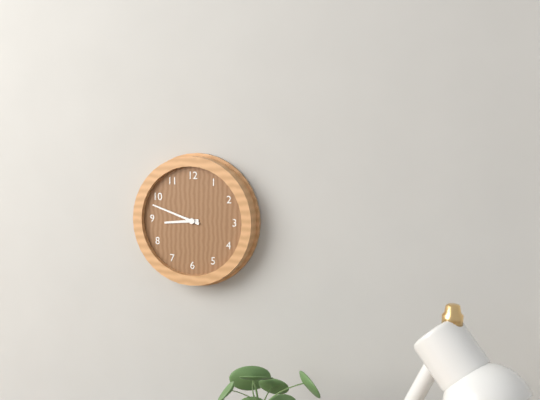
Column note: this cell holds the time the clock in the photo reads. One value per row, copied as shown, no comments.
8:48
